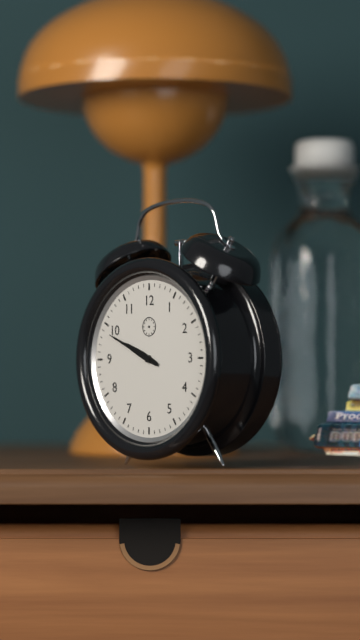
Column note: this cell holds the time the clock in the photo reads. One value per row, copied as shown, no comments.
9:49
